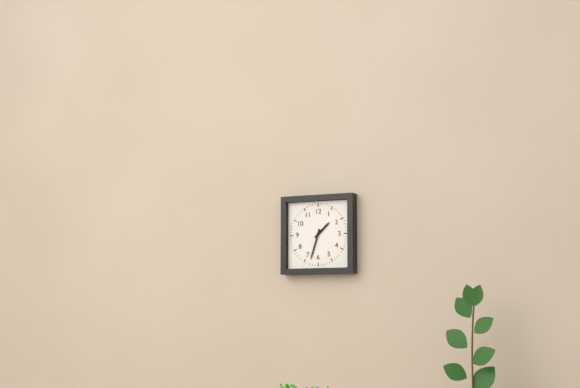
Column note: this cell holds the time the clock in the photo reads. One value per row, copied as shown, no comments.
1:33
